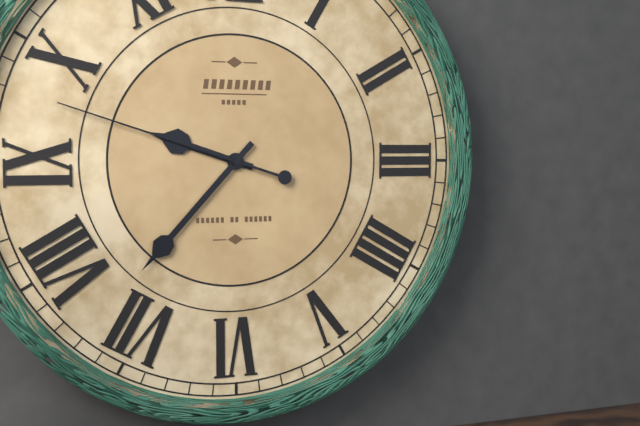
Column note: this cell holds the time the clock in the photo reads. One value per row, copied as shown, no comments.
9:37:48
